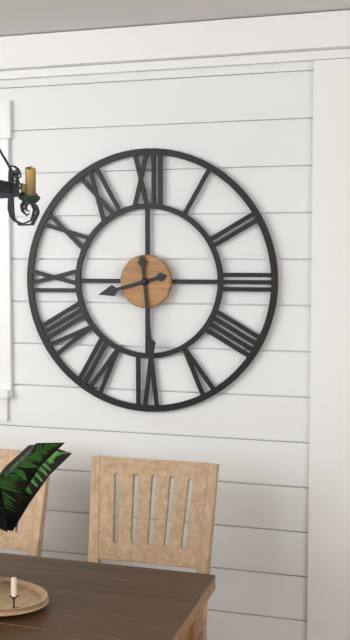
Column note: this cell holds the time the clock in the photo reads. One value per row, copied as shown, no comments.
8:29
